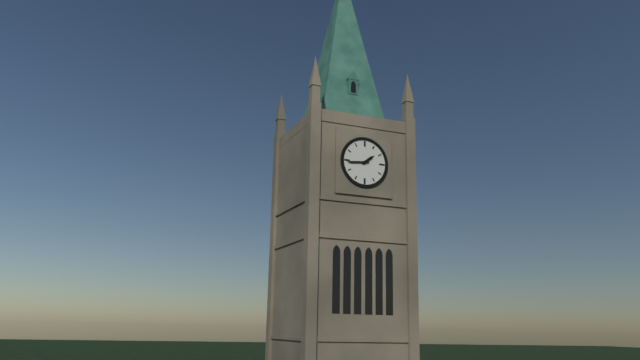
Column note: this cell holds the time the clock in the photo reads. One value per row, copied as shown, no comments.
1:44
